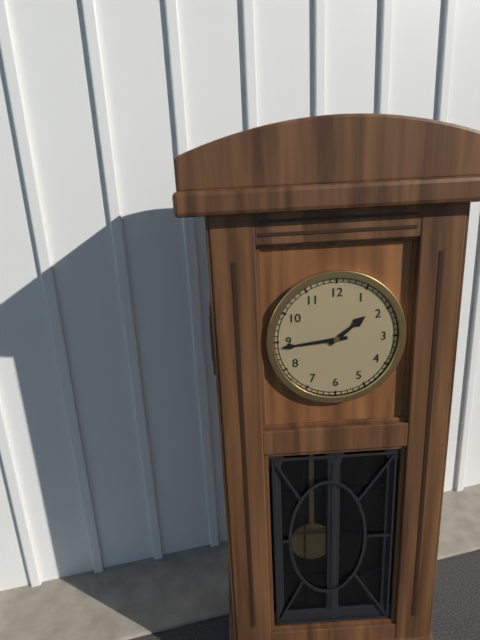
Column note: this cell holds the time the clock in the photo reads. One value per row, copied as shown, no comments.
1:44
